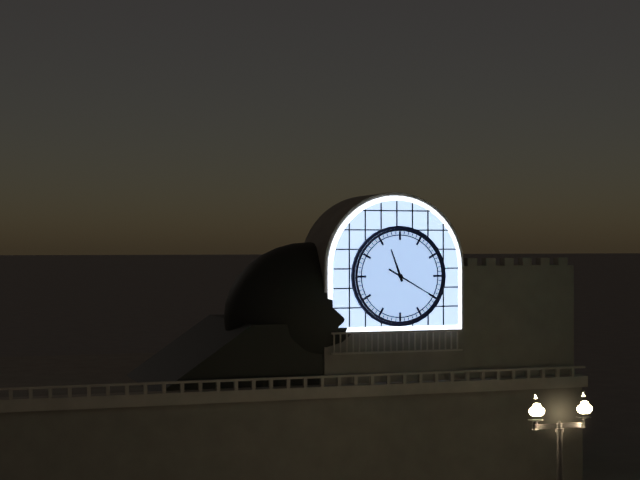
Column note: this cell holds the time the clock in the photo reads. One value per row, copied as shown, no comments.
11:20
